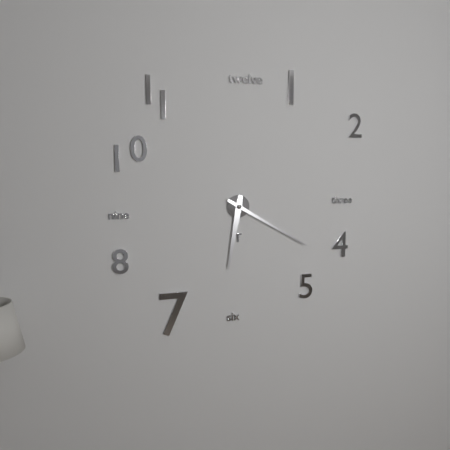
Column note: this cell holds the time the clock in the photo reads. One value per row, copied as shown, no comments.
6:20
